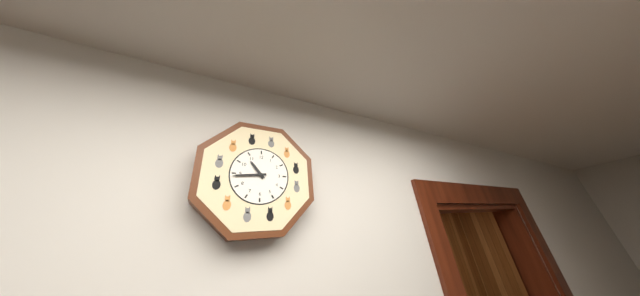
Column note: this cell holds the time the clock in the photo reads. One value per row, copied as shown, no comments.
10:44
